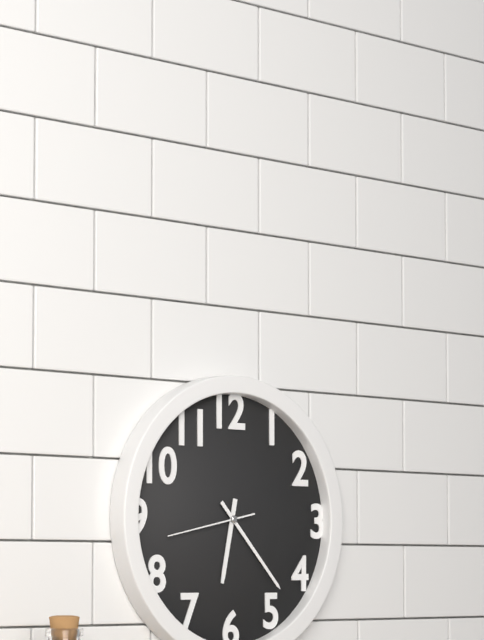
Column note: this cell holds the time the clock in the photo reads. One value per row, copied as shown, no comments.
6:23:43
